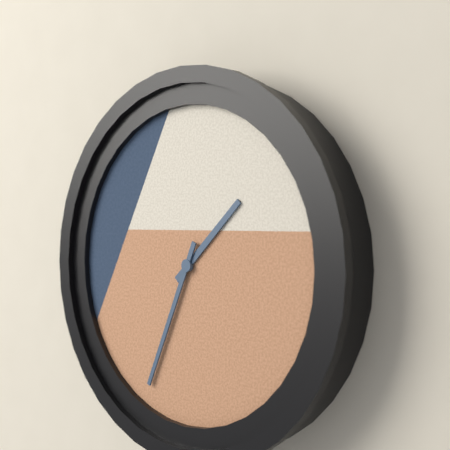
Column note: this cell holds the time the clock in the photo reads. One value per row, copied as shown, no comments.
1:34
